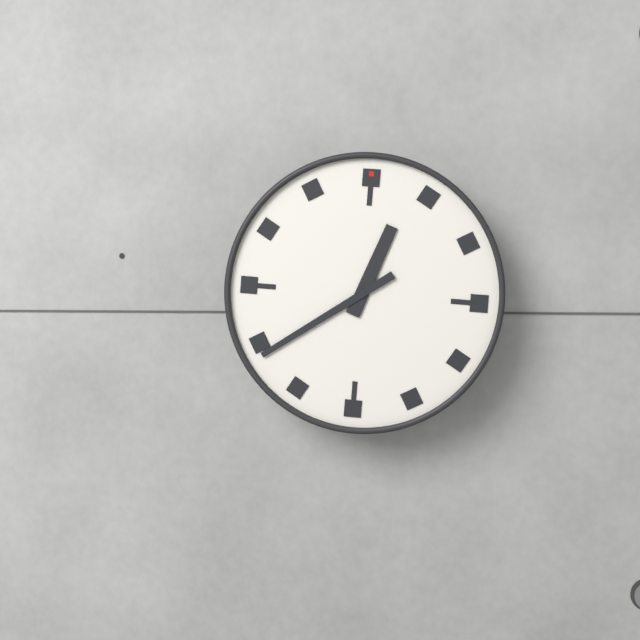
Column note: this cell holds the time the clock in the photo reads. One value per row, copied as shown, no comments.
12:39
